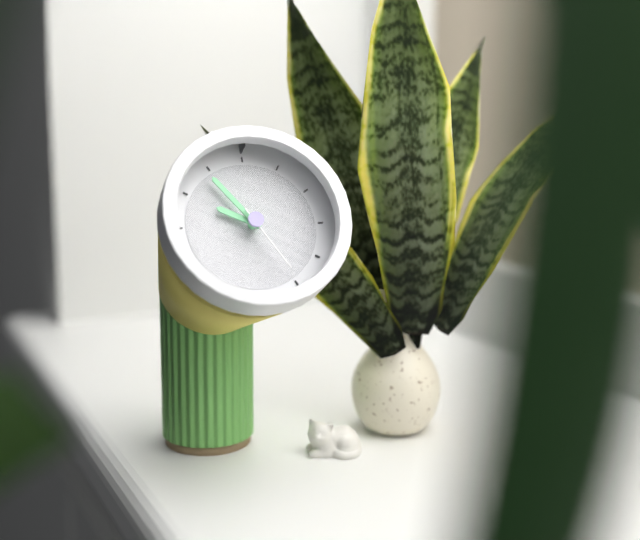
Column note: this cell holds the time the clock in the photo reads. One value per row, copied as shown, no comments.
9:54:25
